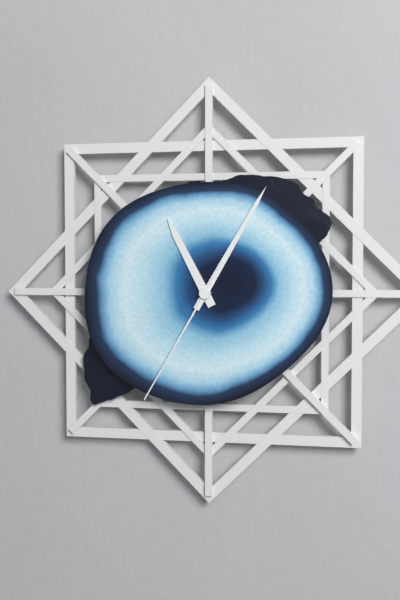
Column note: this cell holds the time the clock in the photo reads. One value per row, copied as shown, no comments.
11:05:35
